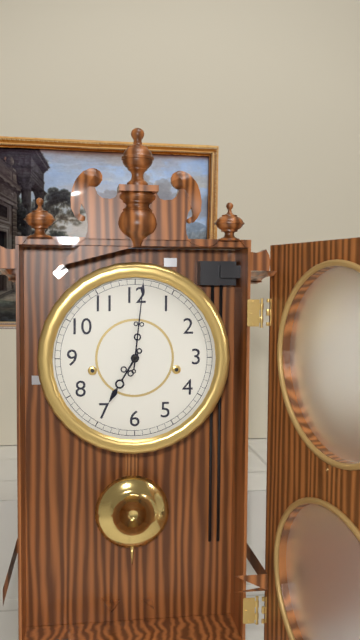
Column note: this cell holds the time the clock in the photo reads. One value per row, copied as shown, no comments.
7:01
